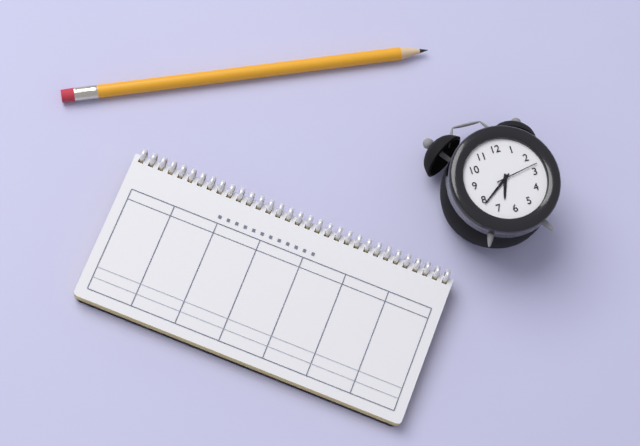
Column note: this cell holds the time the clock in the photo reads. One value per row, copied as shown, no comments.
6:39
